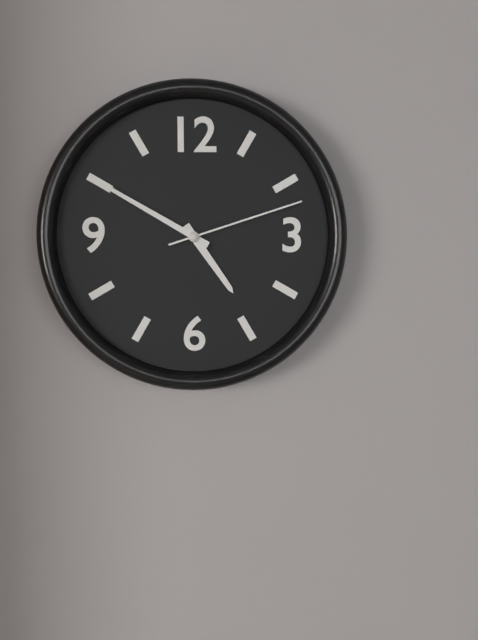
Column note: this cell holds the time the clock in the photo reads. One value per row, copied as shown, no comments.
4:50:12
